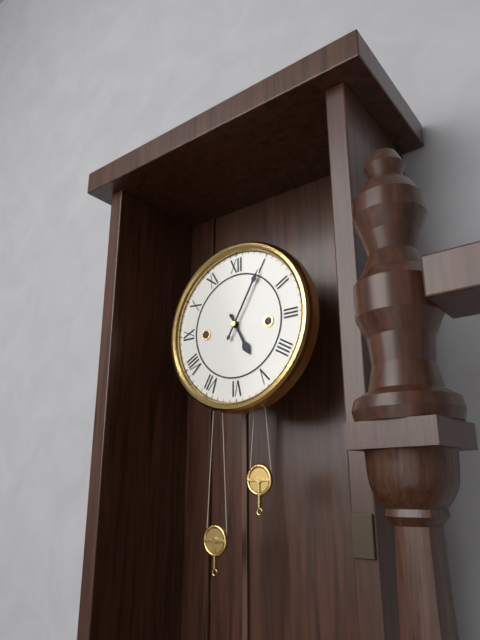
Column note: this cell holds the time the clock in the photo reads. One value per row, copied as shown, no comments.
5:05
